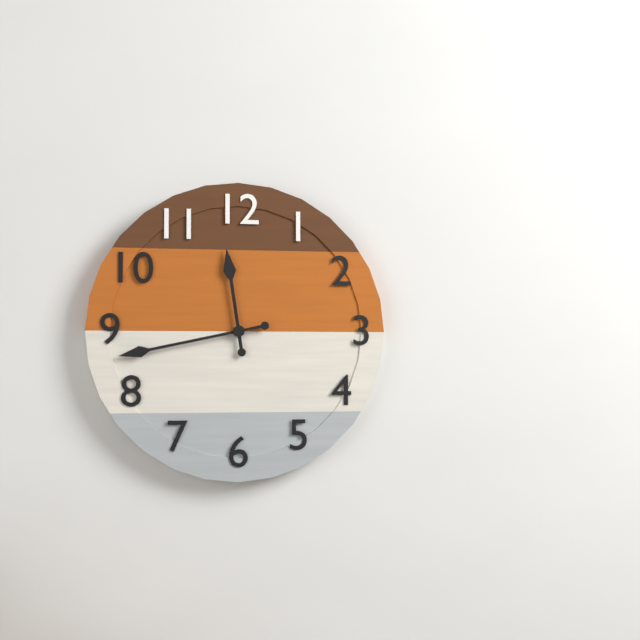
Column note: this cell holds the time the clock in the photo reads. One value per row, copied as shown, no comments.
11:43
